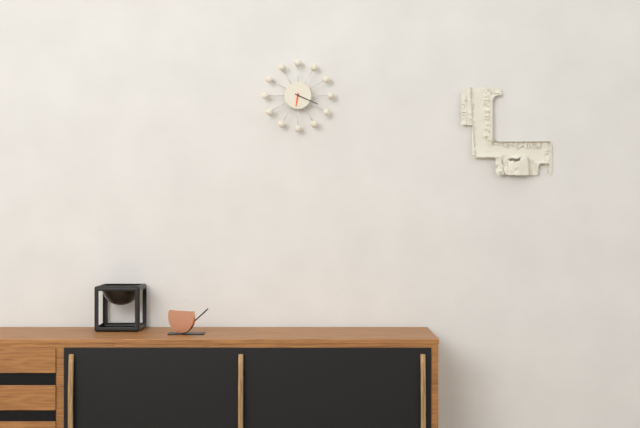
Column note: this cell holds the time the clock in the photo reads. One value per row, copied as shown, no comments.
6:19
